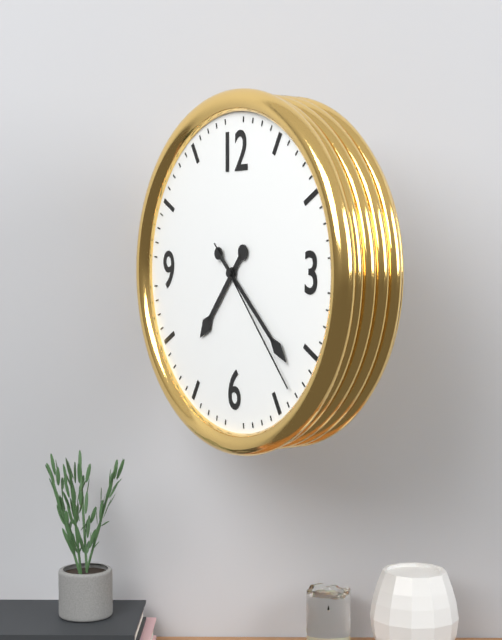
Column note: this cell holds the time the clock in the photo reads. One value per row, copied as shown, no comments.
7:22:23
